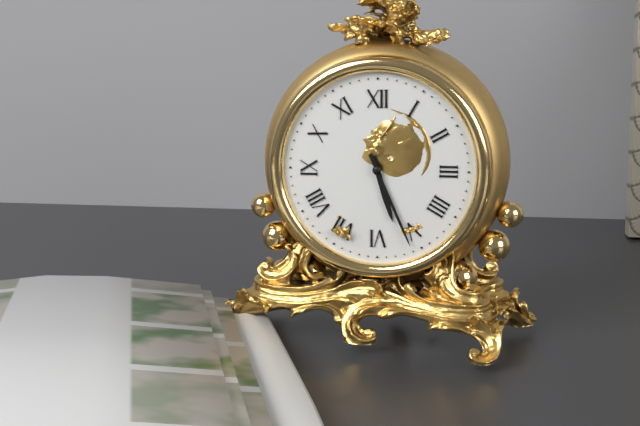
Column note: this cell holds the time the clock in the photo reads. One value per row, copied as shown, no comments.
5:26
